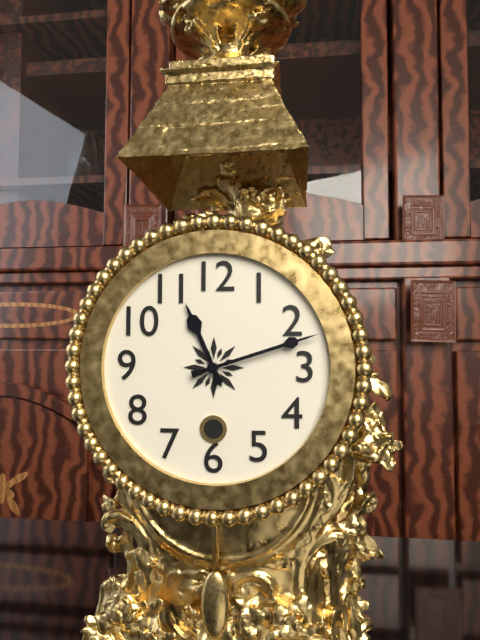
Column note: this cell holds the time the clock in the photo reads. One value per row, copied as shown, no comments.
11:12
